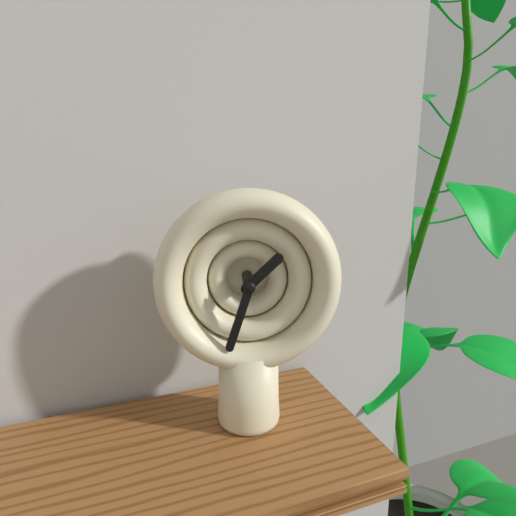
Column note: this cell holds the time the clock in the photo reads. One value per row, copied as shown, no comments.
1:33
